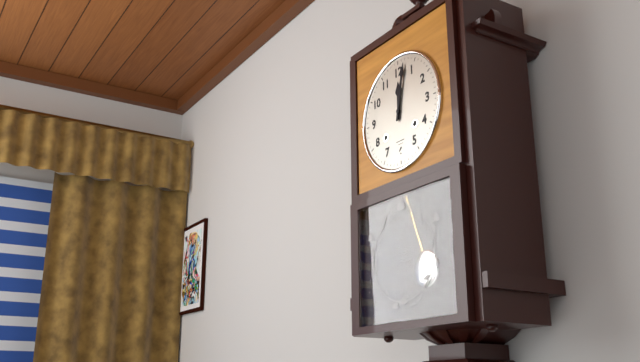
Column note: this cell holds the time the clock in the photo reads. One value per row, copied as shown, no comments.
12:02
